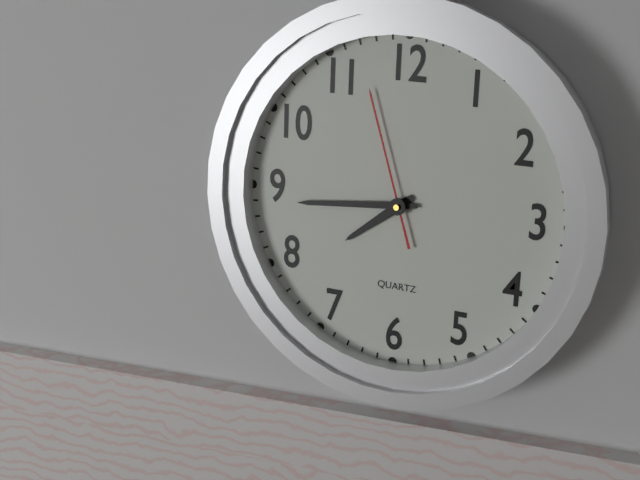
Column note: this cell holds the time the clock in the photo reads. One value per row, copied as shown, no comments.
7:44:57
